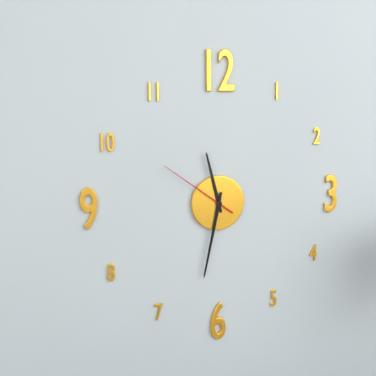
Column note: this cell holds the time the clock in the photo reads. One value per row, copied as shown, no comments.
11:32:51
